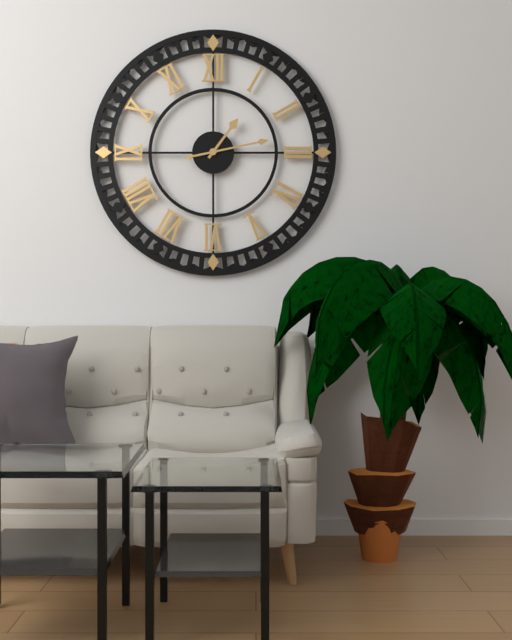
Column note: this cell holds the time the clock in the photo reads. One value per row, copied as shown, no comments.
1:13
